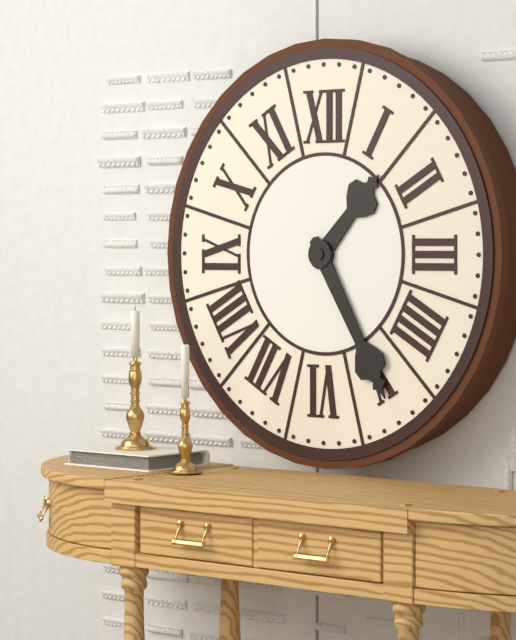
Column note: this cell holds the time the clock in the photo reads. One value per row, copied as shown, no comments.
1:25
